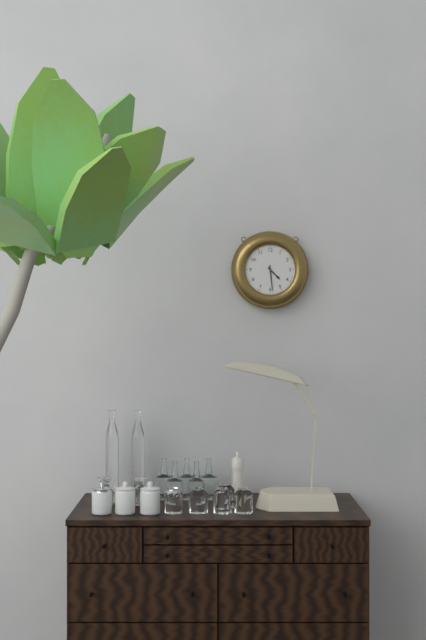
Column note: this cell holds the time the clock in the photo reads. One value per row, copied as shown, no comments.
4:29
